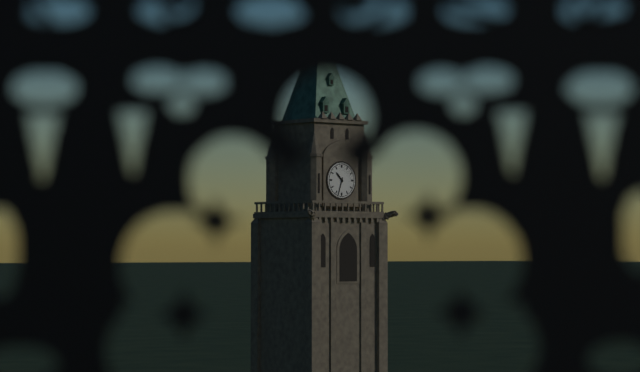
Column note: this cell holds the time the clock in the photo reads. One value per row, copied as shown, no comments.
10:33
